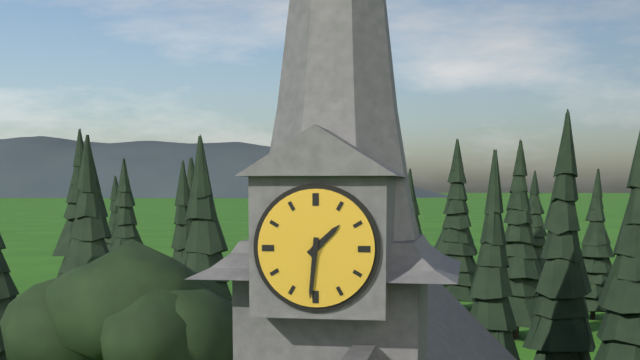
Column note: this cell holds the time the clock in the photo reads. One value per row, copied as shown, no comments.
1:31
